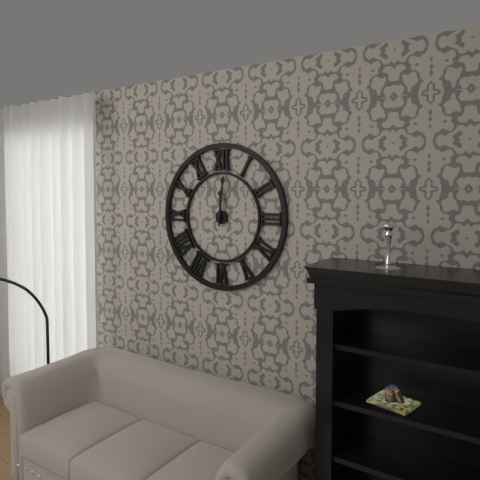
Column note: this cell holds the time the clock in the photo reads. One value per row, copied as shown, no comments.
12:01
